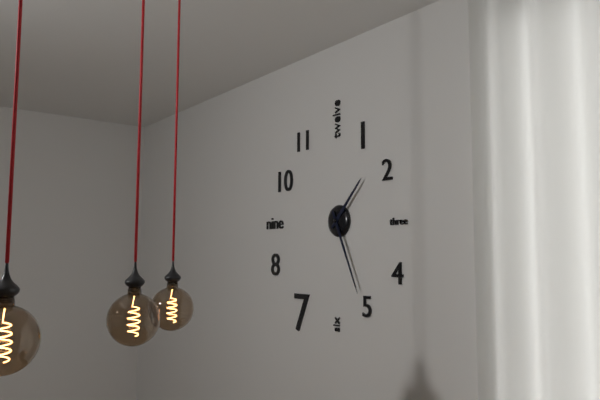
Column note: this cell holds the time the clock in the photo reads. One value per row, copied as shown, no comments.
1:26
